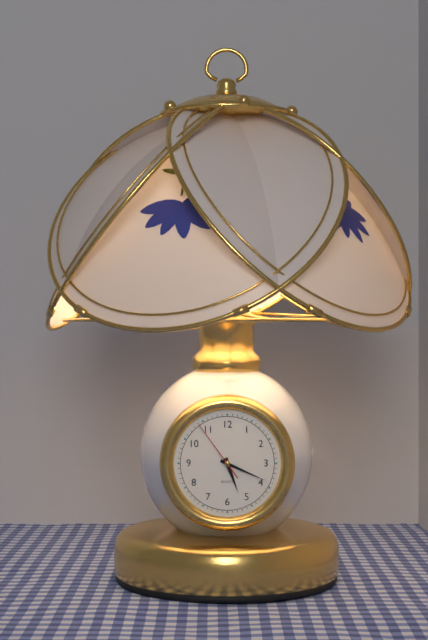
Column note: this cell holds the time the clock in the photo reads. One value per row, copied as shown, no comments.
5:19:54
